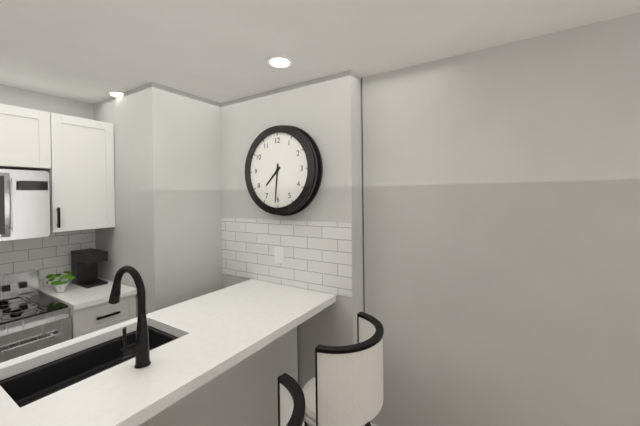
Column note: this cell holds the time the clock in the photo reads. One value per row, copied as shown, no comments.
7:31
